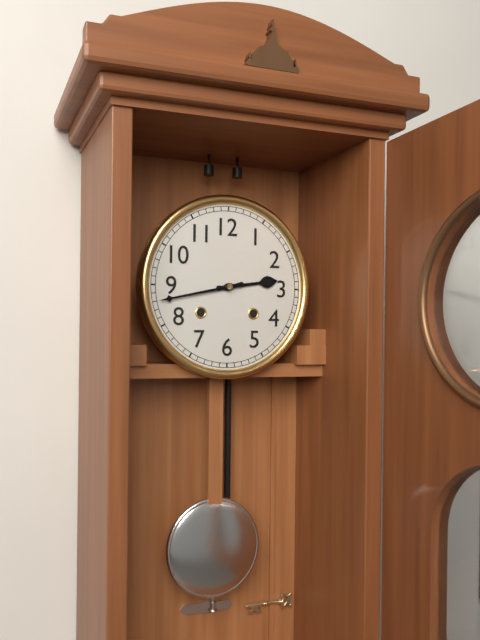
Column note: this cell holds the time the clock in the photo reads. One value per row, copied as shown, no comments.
2:43
